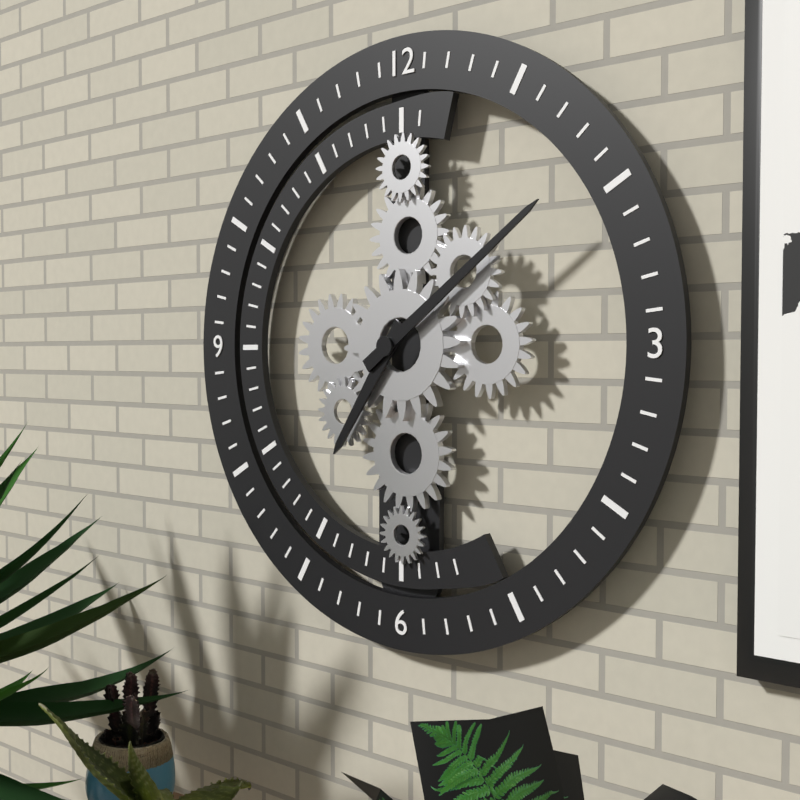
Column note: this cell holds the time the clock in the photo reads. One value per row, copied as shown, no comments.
7:09
